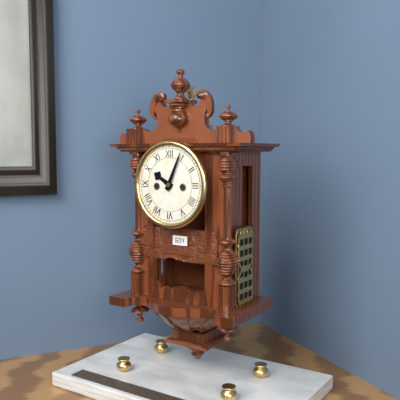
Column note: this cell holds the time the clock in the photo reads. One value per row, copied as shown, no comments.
10:04
